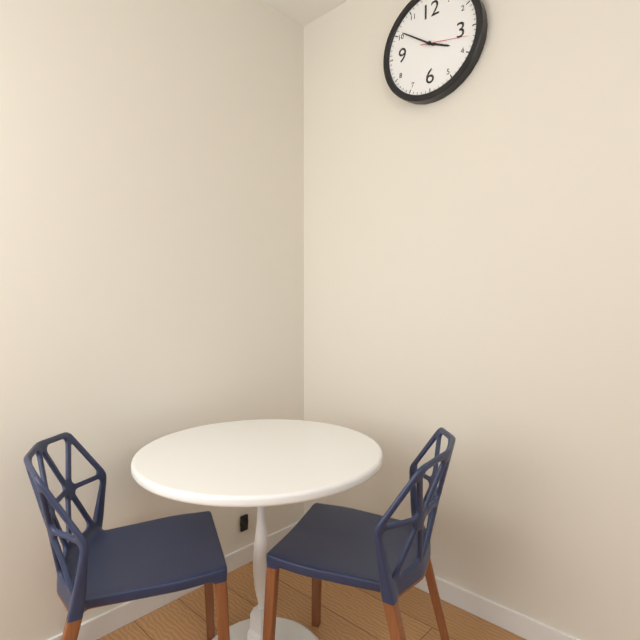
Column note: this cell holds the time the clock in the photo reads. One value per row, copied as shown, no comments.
3:51:17
